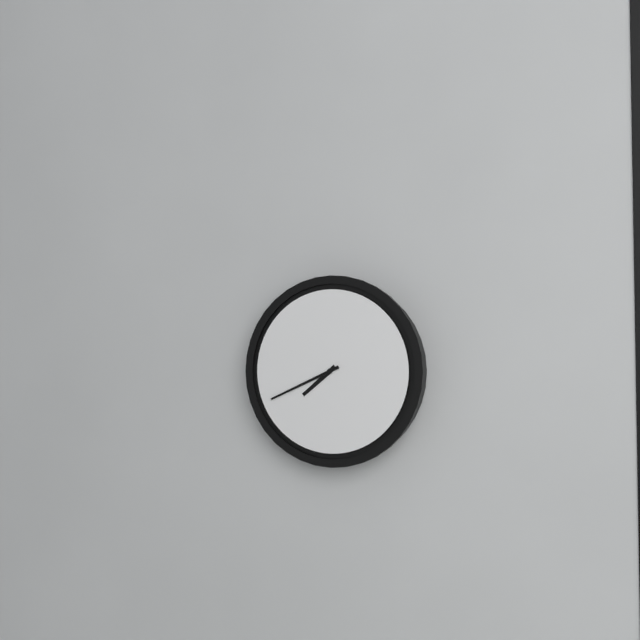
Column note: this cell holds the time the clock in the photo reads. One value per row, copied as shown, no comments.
7:41
